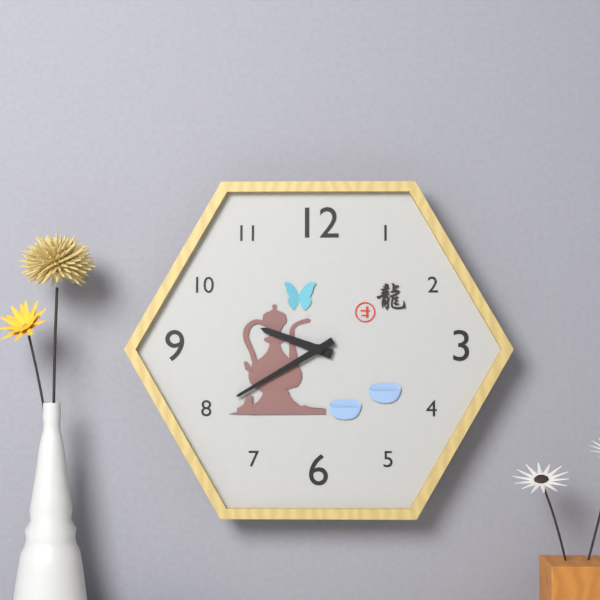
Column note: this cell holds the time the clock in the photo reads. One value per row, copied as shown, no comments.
9:40
